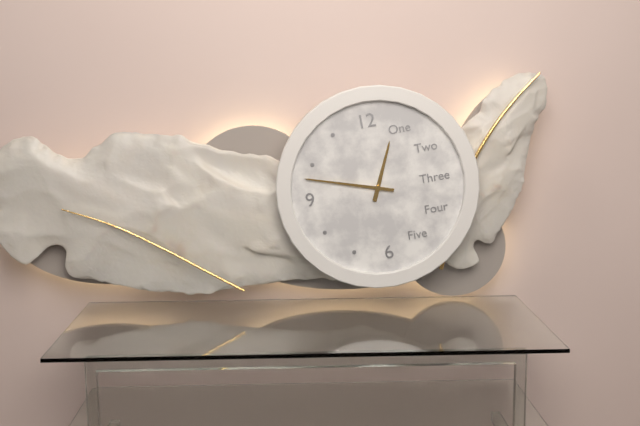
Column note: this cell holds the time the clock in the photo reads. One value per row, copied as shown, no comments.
12:48
